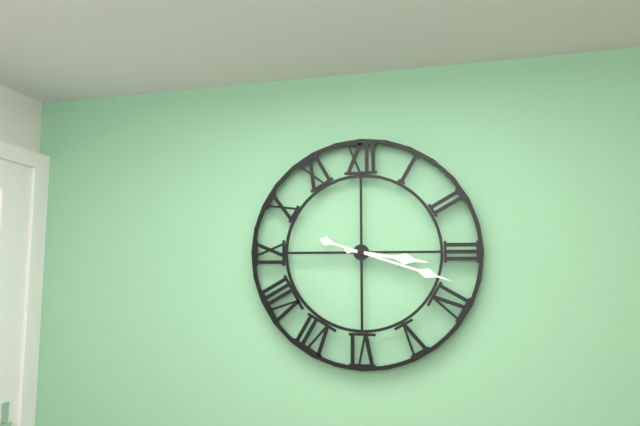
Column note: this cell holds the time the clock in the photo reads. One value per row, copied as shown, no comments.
3:18
